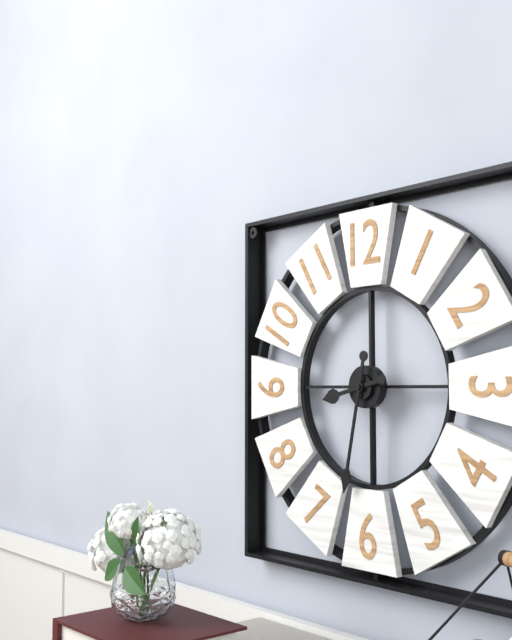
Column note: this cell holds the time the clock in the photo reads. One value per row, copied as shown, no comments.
8:32
